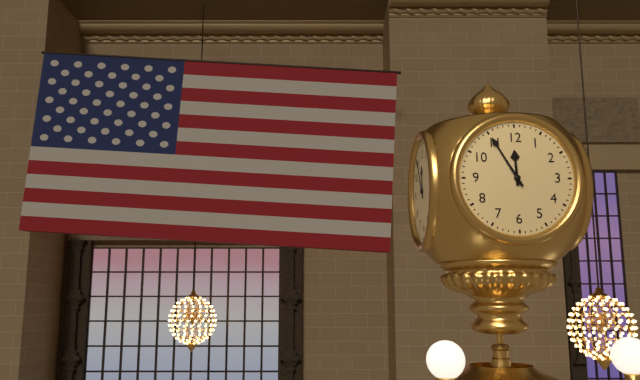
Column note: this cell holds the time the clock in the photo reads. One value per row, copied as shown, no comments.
11:55
